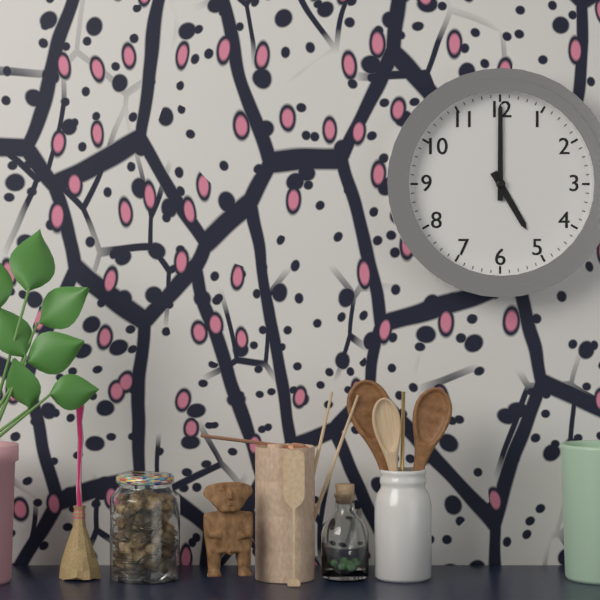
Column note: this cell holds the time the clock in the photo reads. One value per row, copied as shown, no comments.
5:00
